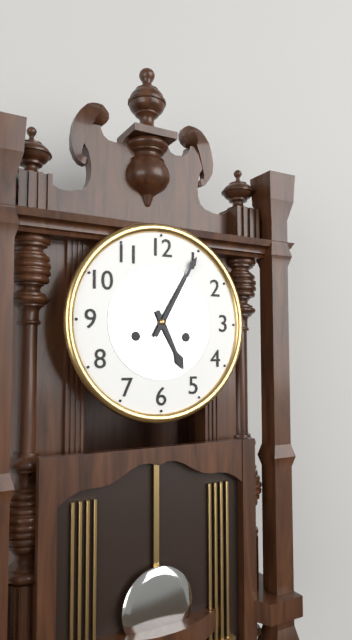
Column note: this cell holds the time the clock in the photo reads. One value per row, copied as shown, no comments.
5:05
